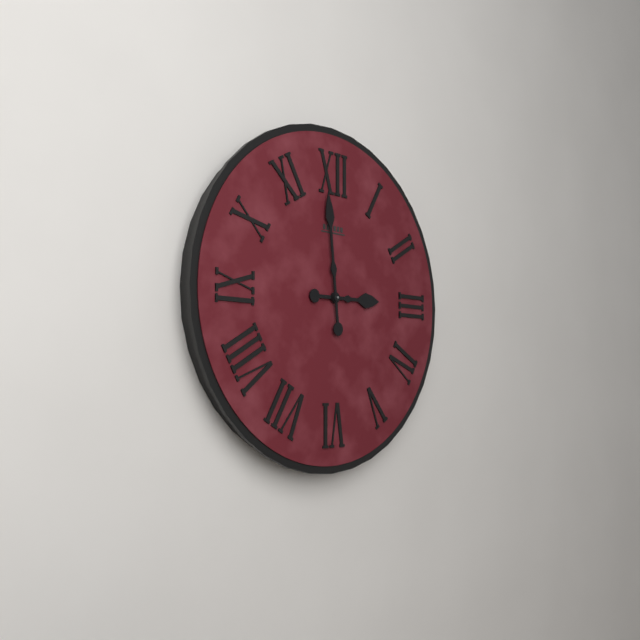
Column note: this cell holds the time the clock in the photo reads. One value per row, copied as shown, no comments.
2:59
